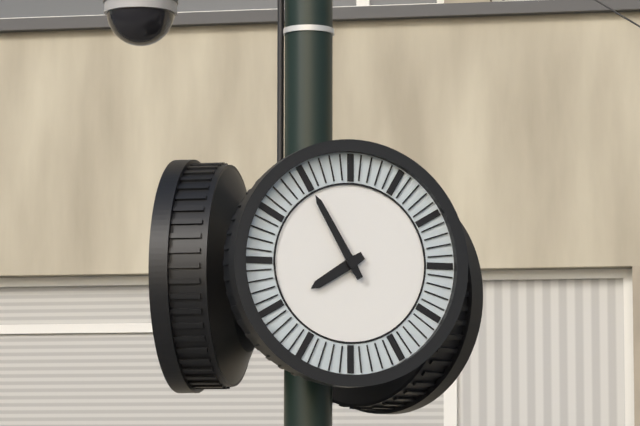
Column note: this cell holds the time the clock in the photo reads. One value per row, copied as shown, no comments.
7:55
